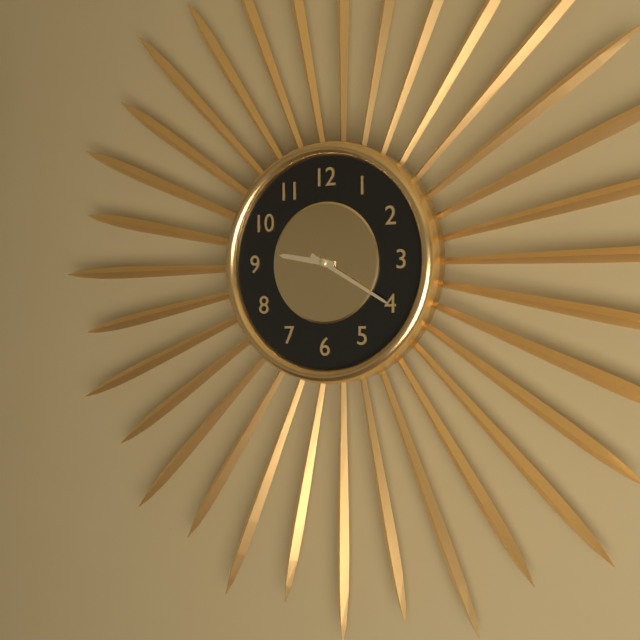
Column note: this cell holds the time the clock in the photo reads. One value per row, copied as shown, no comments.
9:20
